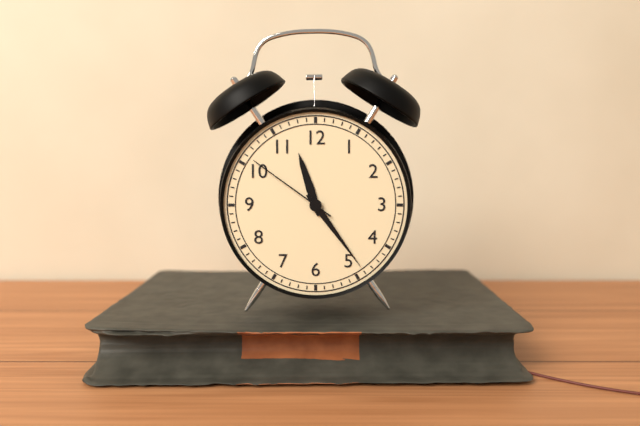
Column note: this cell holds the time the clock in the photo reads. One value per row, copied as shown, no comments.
11:24:51
